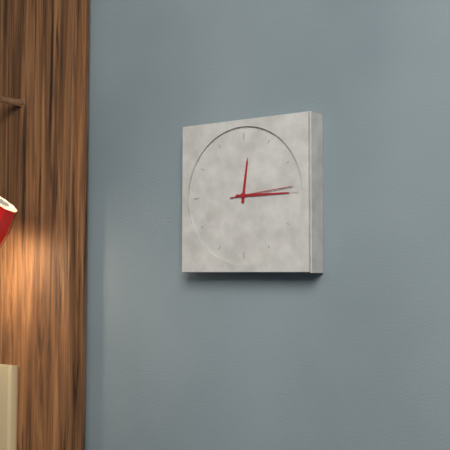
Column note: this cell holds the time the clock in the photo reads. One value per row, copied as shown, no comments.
12:15:14
